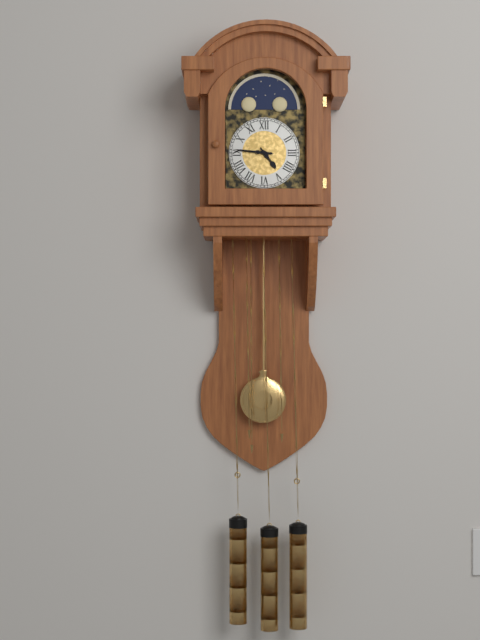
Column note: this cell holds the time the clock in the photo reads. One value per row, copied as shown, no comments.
4:46
